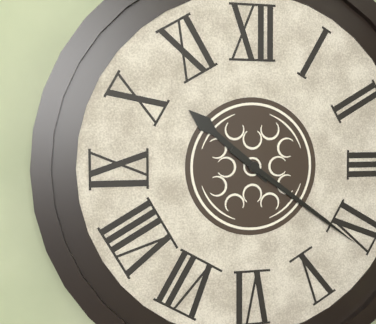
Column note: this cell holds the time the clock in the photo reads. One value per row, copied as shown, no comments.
10:21
